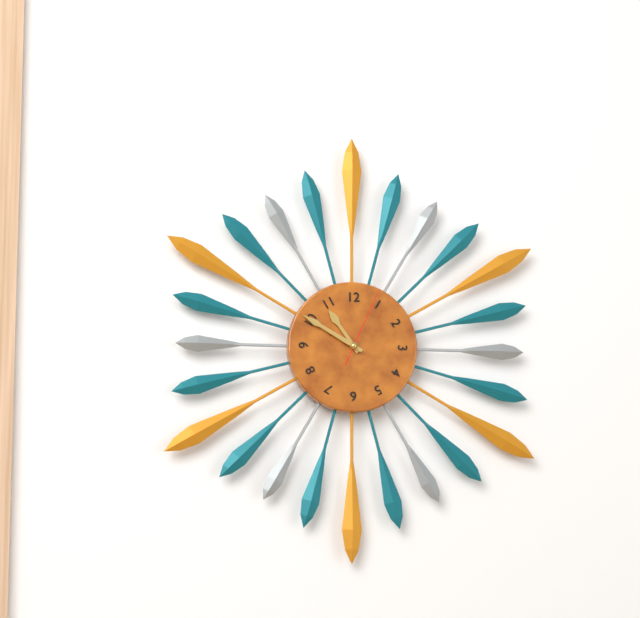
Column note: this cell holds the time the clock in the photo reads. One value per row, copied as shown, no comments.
10:50:04
